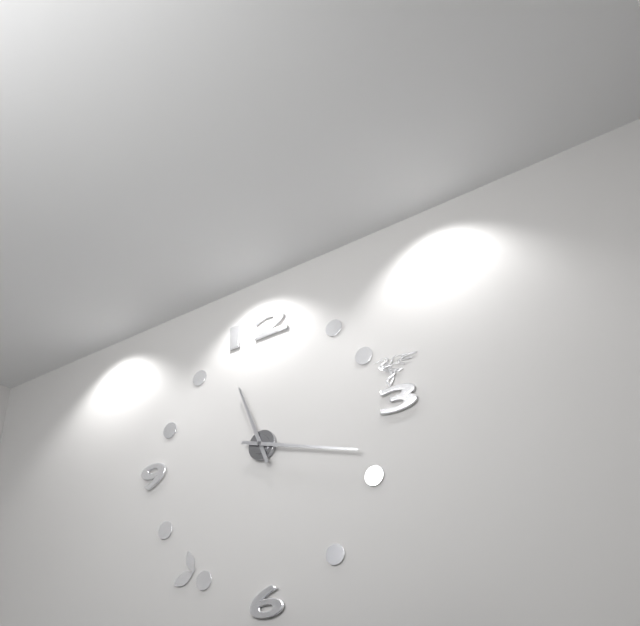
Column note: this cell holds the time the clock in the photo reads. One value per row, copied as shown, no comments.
11:18
